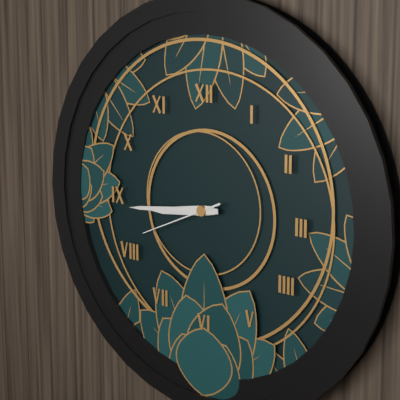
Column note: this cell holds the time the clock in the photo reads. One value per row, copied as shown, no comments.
8:44:41
